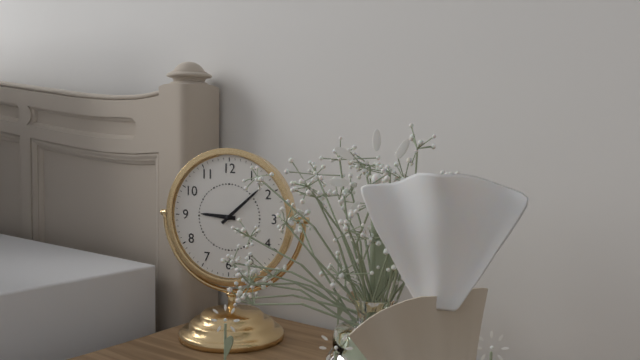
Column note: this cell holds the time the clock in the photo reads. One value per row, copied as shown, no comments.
9:08
